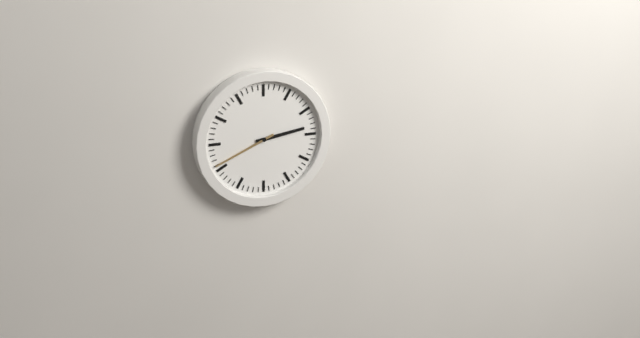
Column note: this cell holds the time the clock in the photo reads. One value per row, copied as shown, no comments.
2:41
